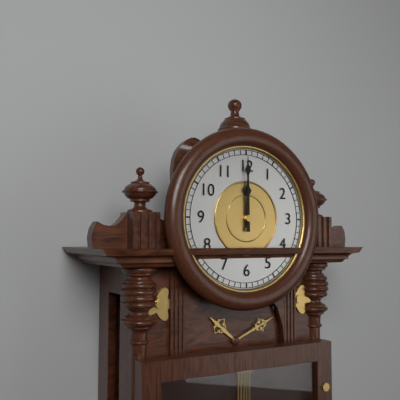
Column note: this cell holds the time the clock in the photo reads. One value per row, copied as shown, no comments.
12:00
